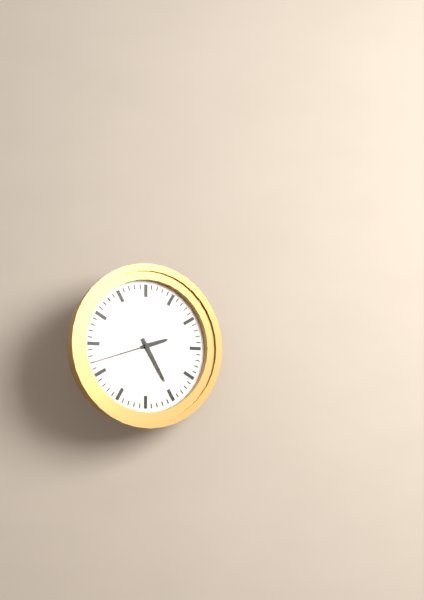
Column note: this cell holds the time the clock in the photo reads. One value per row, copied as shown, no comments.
2:25:42
